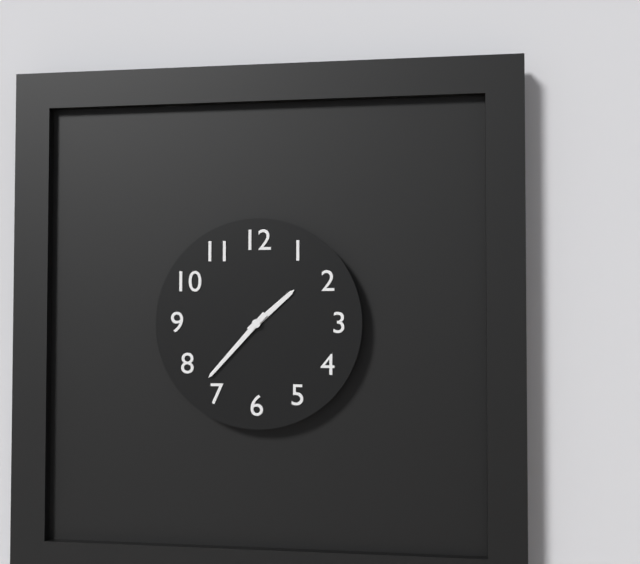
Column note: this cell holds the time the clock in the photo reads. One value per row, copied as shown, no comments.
1:37
